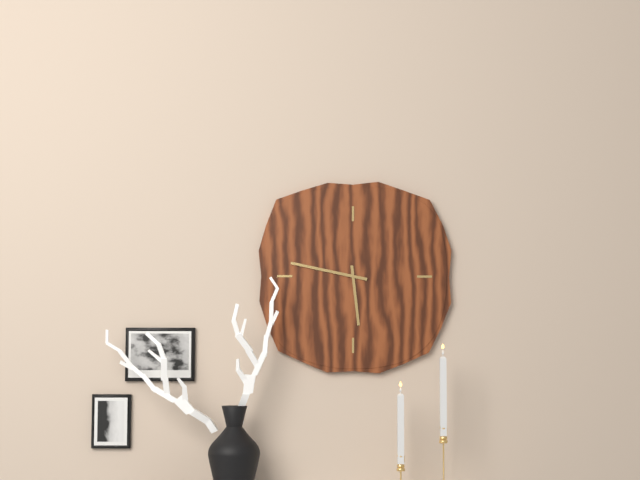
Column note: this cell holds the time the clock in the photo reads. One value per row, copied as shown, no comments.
5:47
